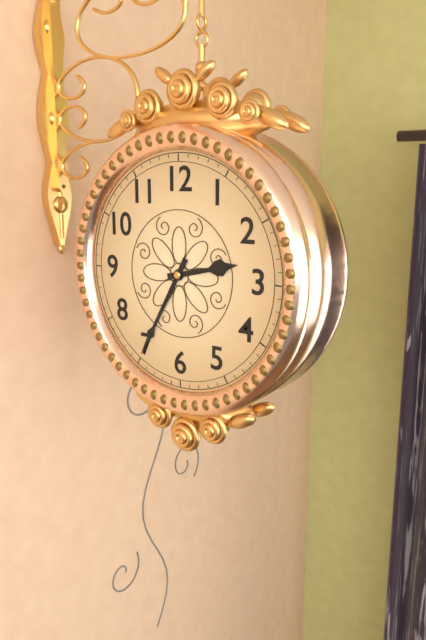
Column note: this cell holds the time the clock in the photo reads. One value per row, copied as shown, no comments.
2:35
